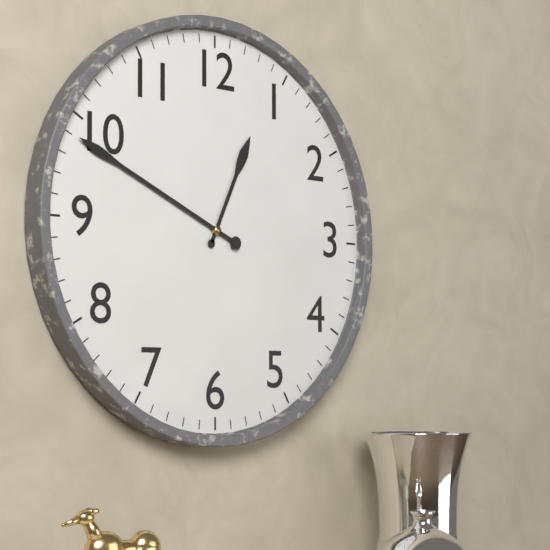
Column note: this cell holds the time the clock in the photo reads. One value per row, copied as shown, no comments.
12:49
